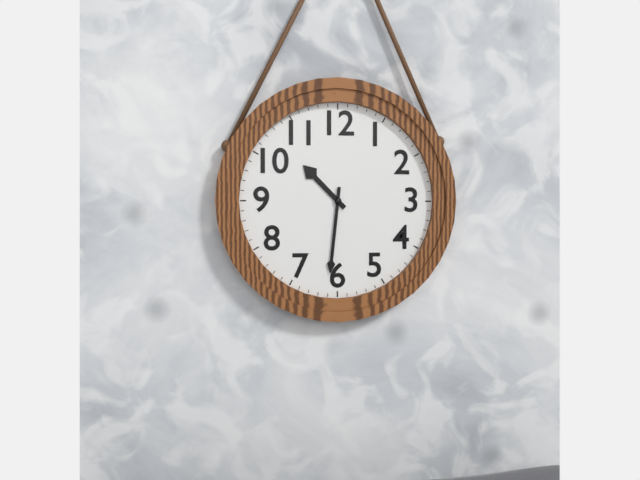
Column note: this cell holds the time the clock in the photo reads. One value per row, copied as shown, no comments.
10:31
